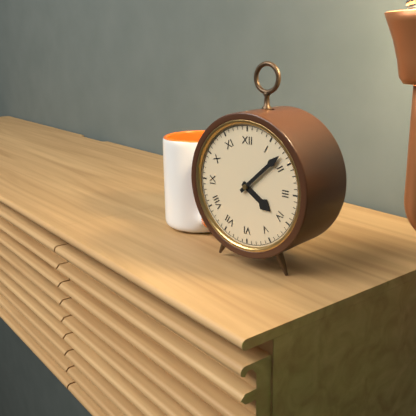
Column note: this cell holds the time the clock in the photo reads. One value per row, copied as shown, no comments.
4:08
